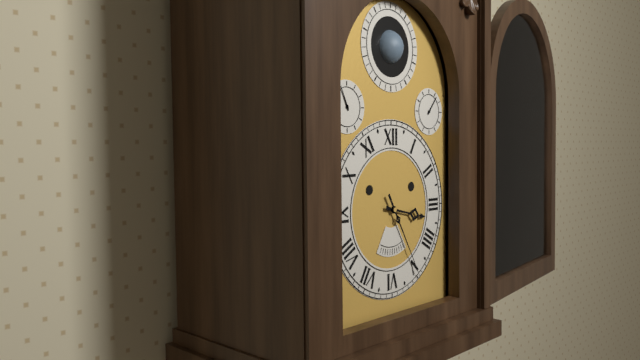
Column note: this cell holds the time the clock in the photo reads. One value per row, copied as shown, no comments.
3:25
